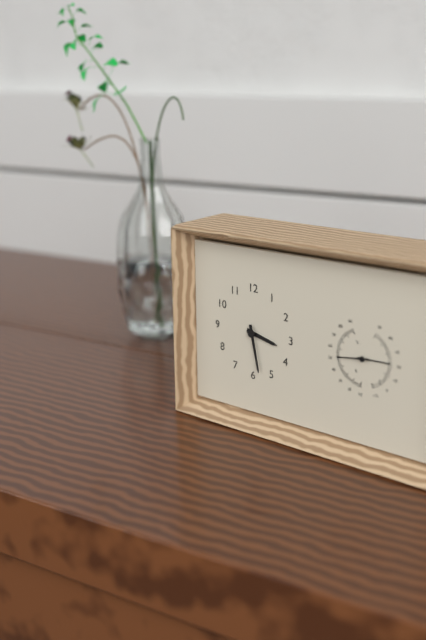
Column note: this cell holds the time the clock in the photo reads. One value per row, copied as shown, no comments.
3:28
